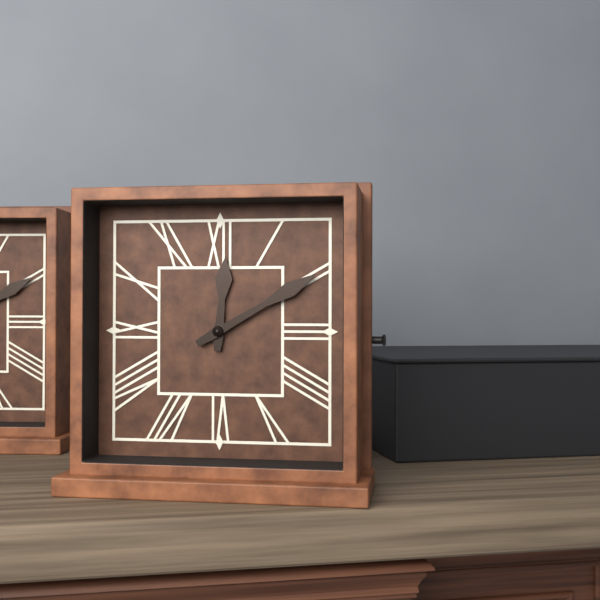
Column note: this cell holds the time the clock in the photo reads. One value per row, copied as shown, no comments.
12:10
